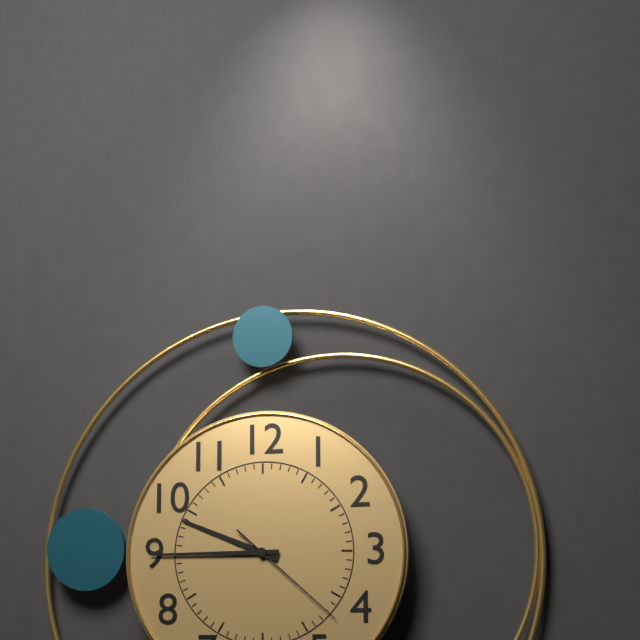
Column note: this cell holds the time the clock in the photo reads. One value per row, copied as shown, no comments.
9:45:22
